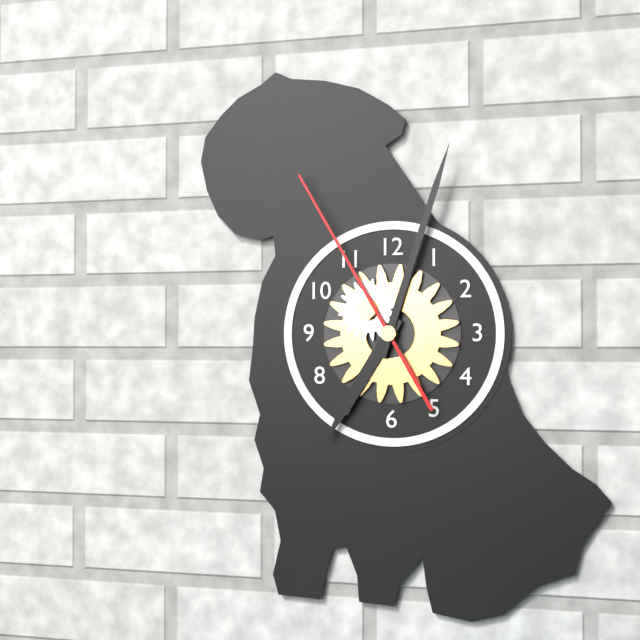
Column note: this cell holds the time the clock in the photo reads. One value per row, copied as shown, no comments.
7:03:55
